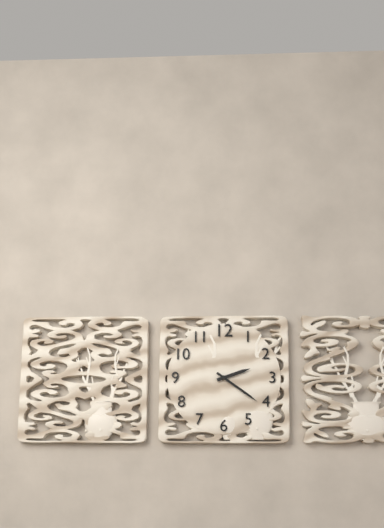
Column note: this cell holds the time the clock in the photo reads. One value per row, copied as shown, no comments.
2:21
